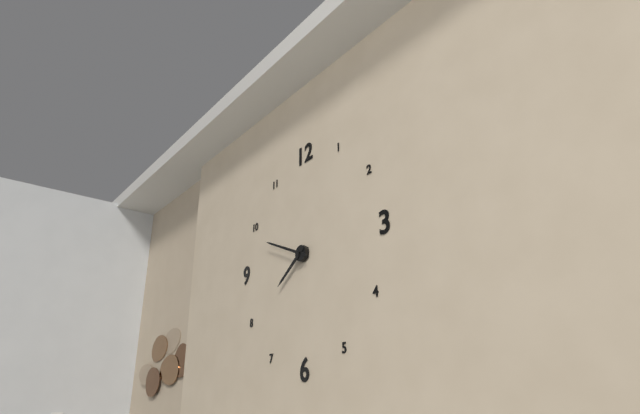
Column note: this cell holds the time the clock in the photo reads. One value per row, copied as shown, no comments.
7:49
